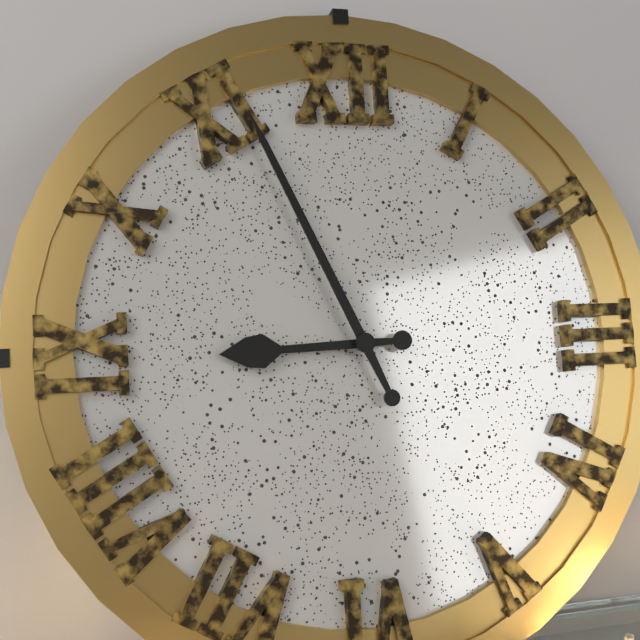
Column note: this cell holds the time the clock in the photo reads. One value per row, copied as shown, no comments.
8:56
